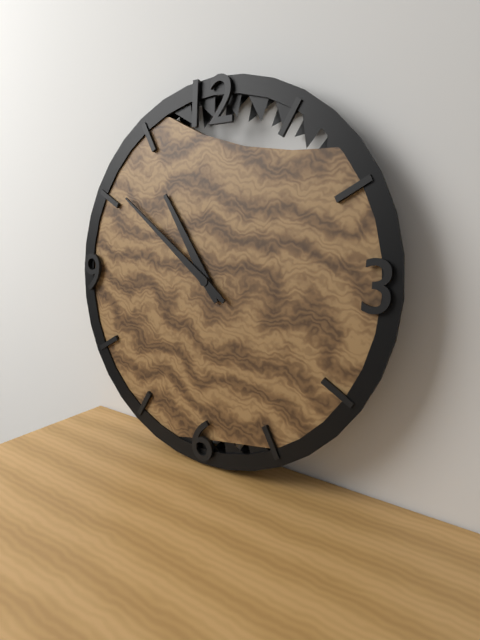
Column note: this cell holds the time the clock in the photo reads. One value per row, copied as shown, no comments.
10:51
